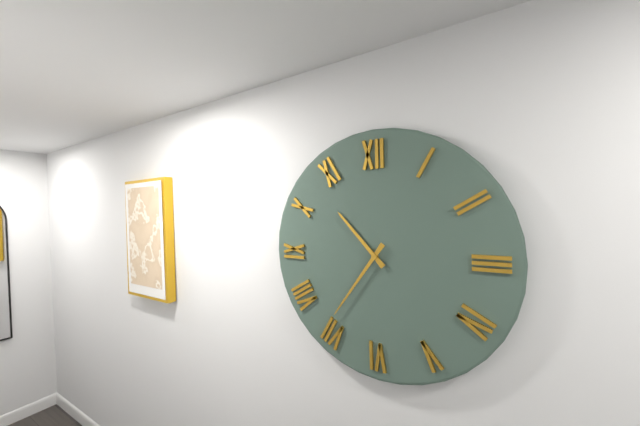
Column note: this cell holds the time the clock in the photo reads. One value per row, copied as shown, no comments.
10:36
